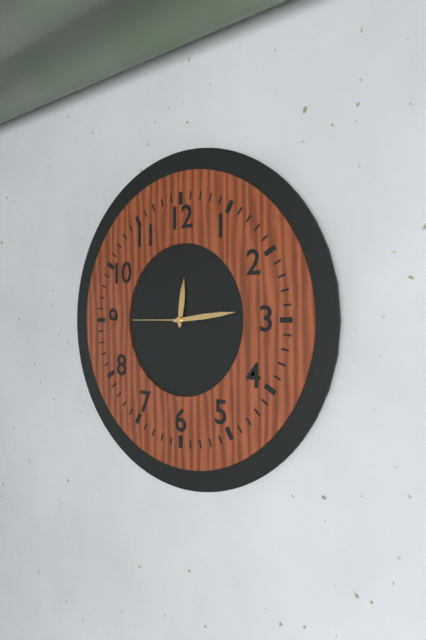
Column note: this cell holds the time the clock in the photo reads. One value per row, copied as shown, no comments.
12:14:45
